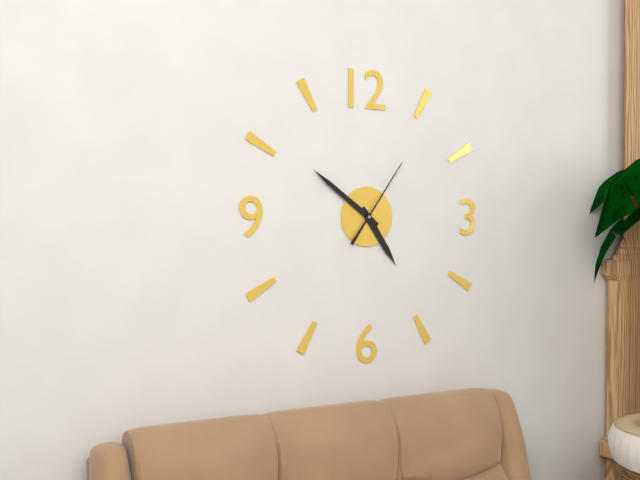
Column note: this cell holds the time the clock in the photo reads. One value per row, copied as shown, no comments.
4:51:06
